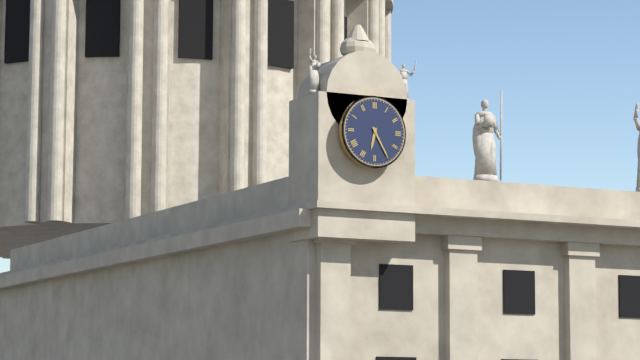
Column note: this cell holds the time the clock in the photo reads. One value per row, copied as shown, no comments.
6:25
